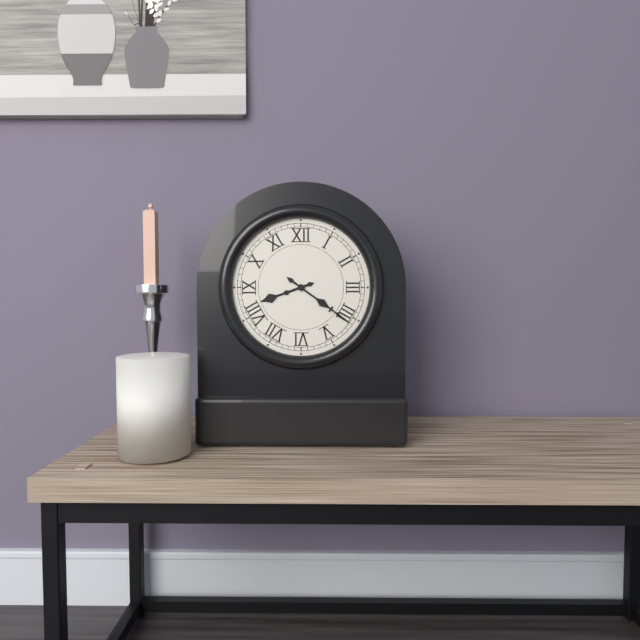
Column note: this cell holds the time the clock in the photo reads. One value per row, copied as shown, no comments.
8:21
